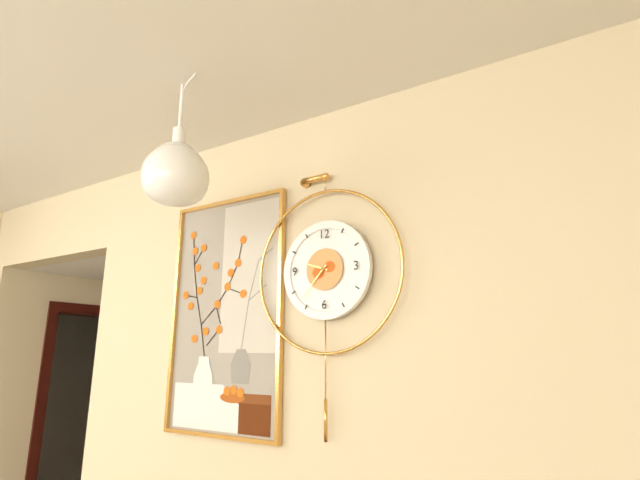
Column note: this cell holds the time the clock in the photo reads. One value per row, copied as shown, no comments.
9:37
